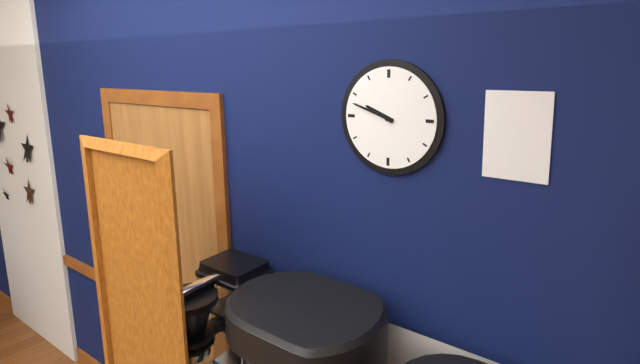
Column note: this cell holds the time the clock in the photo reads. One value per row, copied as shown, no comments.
9:48
